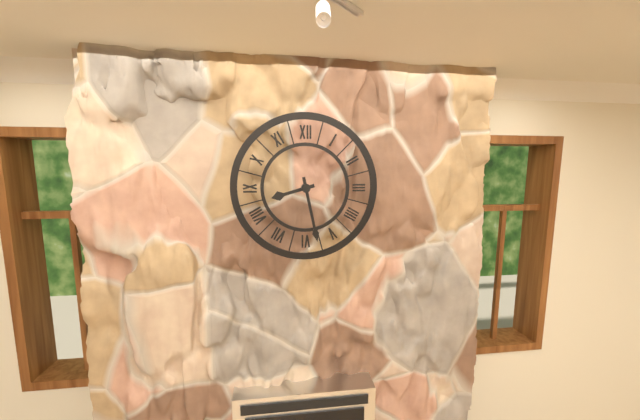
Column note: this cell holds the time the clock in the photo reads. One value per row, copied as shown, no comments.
8:28
